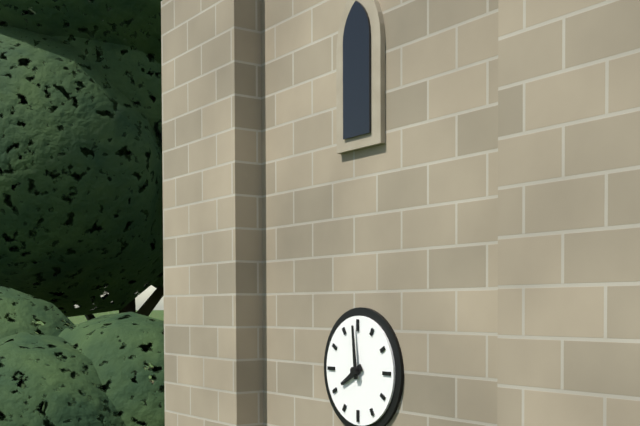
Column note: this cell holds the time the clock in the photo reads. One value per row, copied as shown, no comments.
7:59
